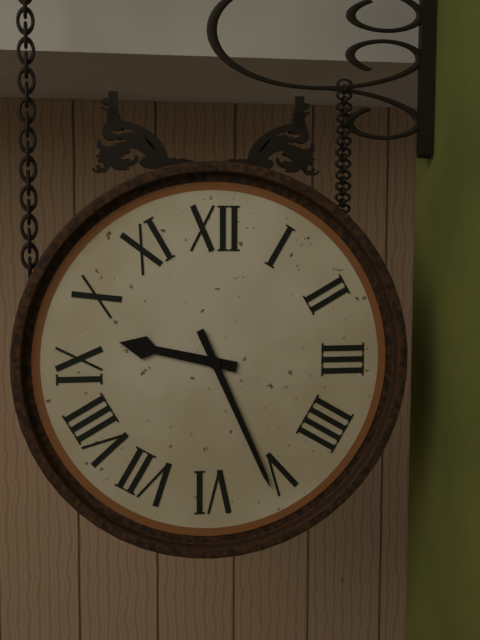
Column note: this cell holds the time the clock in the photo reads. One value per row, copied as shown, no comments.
9:26
